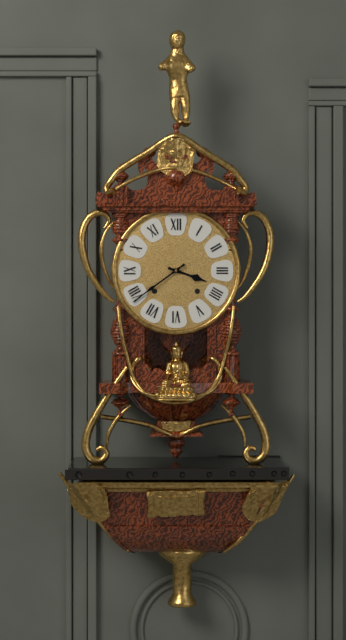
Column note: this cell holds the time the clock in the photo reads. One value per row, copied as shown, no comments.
3:39
